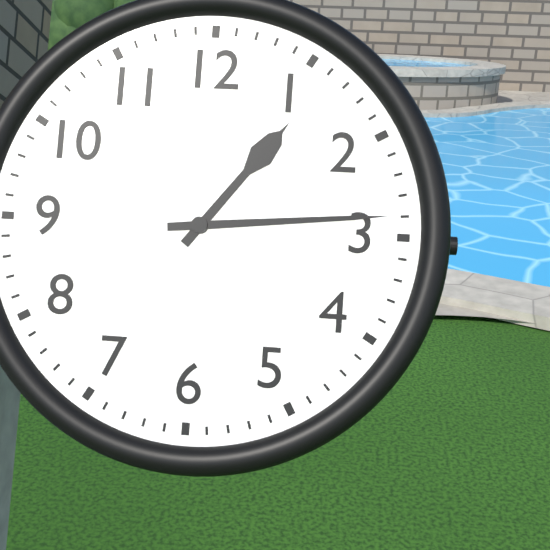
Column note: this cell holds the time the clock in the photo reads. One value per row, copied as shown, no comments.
1:14
